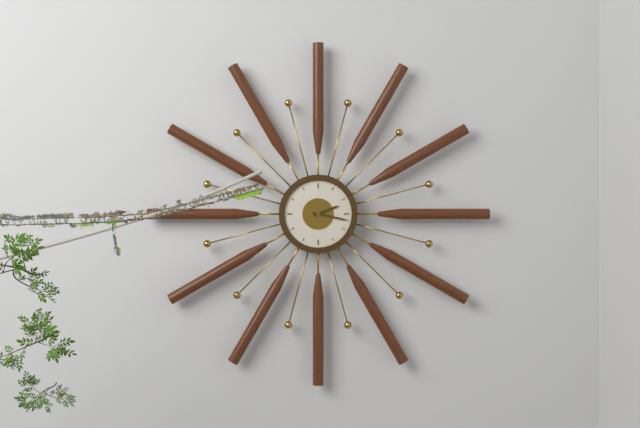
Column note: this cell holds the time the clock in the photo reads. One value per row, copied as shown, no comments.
2:17
